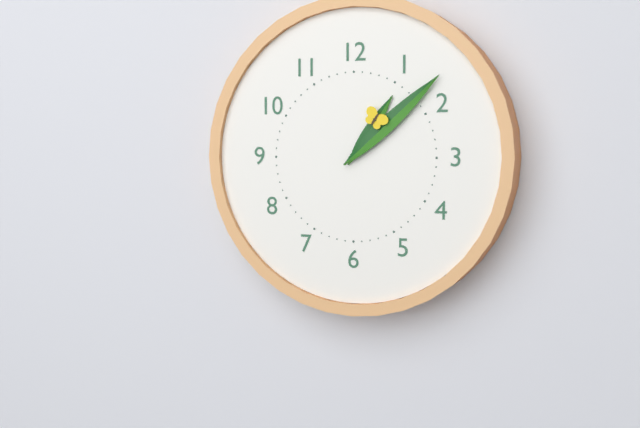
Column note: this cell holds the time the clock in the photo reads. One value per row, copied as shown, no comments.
1:08
